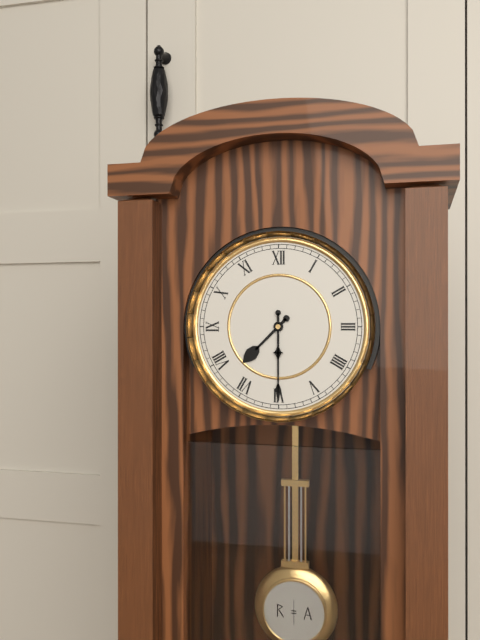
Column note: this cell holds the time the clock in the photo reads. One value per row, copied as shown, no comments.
7:30
